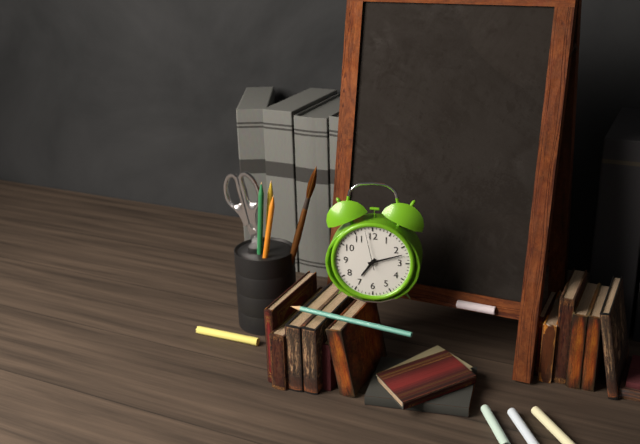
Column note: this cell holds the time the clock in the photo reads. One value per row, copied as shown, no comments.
7:12
